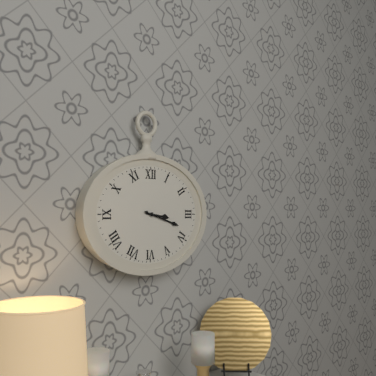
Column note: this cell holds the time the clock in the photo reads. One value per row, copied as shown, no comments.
3:18
